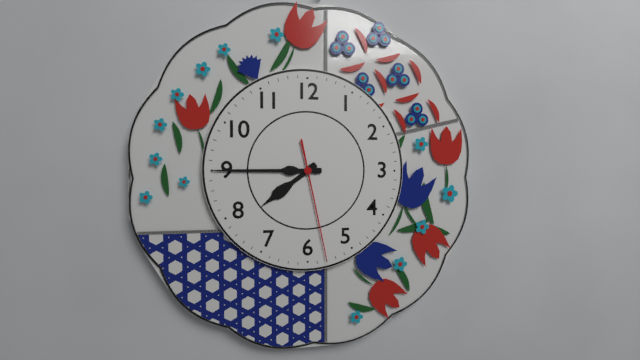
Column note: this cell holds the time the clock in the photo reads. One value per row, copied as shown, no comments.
7:45:28
